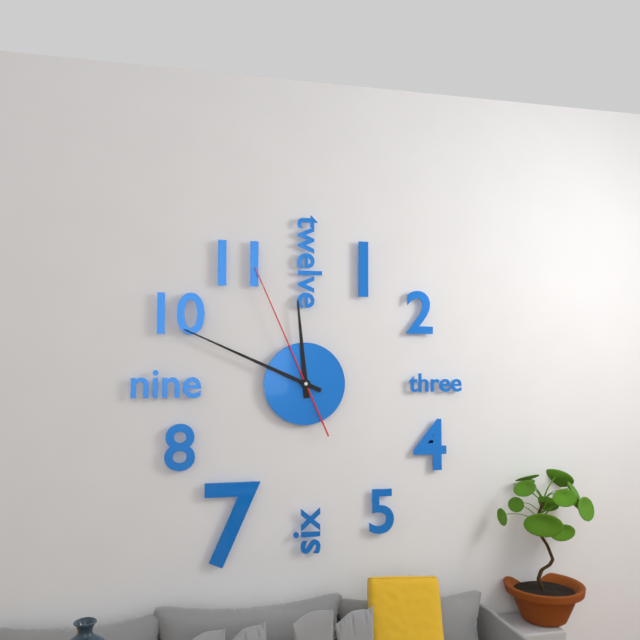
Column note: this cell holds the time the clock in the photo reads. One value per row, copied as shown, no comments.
11:49:56
